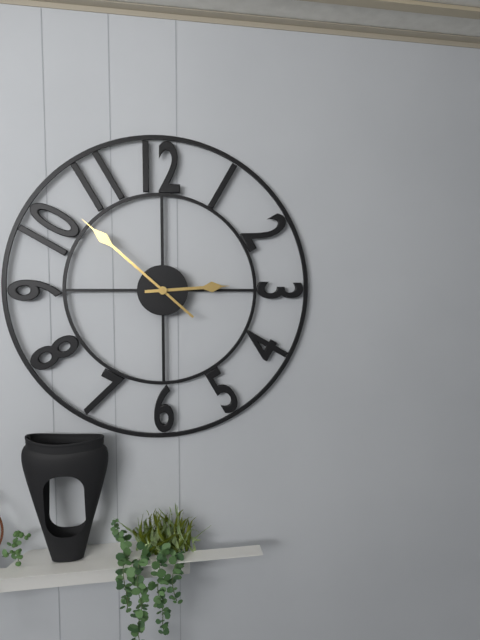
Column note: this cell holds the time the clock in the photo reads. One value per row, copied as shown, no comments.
2:52
